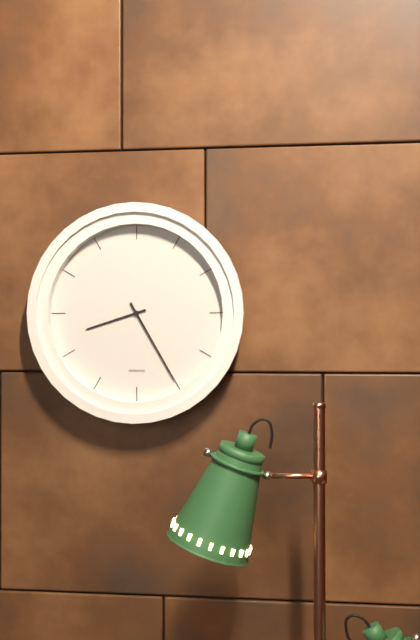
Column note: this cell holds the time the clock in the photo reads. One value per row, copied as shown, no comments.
8:25
